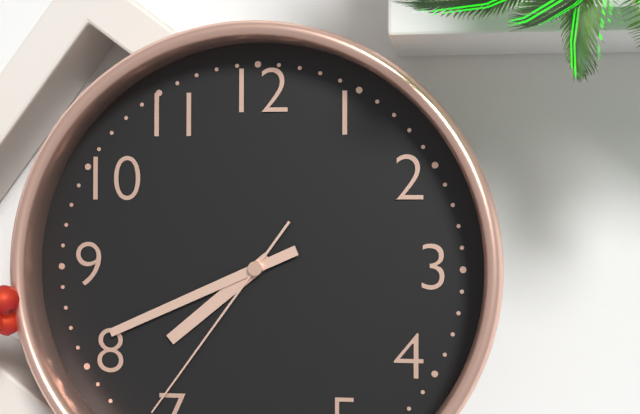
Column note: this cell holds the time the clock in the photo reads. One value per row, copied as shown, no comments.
7:41:36
